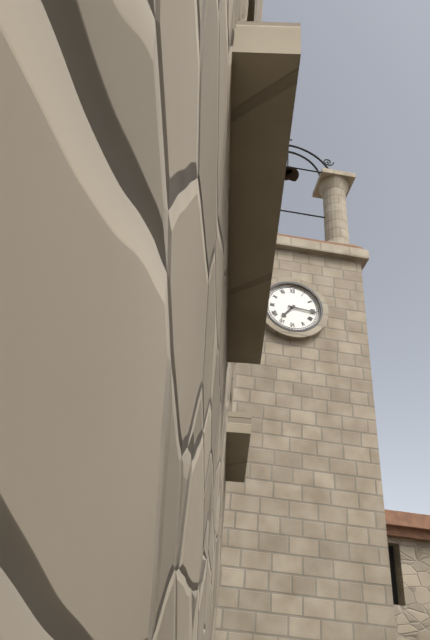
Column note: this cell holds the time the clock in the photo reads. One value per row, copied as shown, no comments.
7:16
